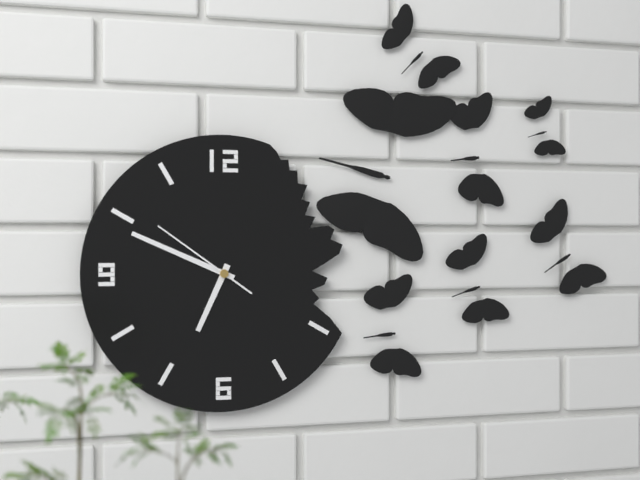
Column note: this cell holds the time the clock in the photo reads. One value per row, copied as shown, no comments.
6:49:51
